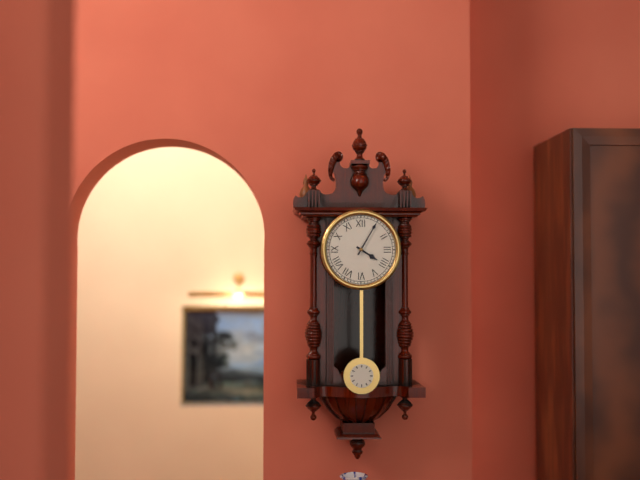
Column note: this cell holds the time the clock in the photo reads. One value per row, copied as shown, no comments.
4:05
